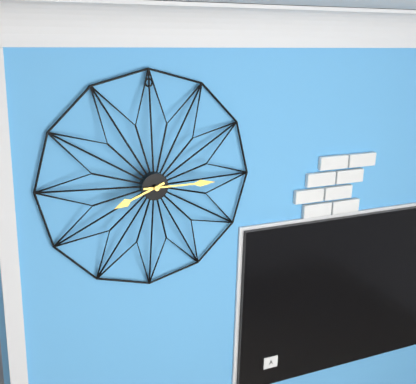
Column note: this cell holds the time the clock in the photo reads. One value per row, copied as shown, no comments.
8:15
